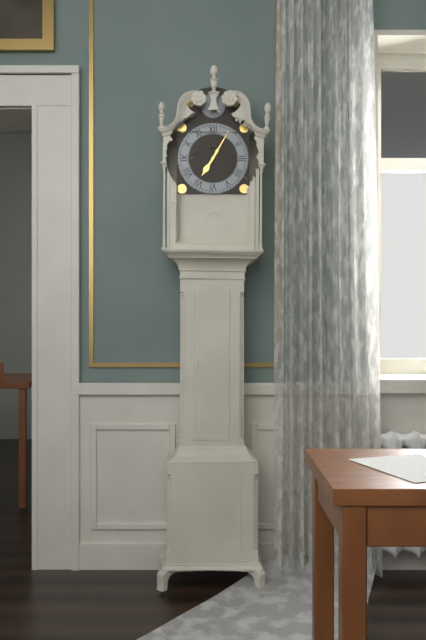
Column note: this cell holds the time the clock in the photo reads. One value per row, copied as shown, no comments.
7:05
